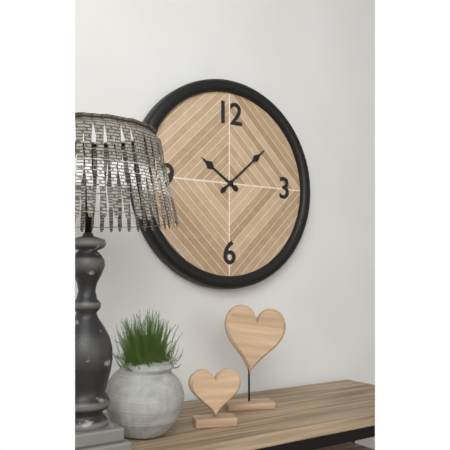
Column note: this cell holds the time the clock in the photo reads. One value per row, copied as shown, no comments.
10:08
